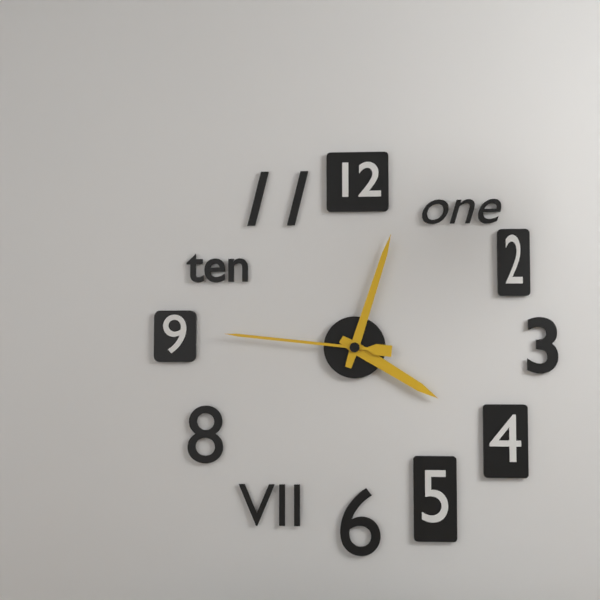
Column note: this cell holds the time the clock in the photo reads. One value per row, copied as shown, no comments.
4:03:46
